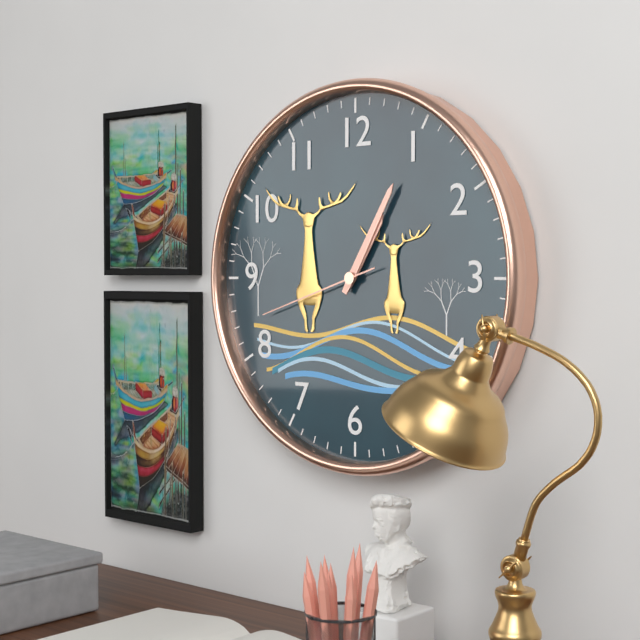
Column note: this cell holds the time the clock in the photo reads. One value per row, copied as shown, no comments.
1:05:42
